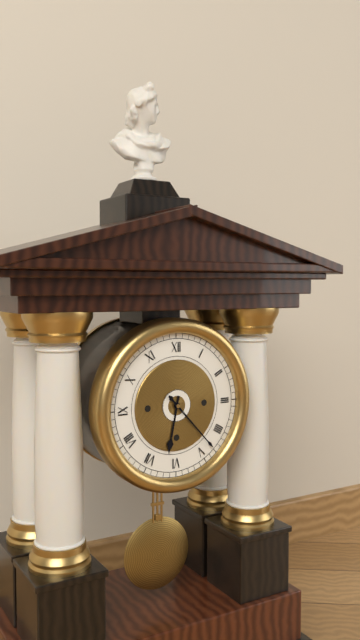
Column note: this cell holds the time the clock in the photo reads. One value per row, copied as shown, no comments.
6:23
